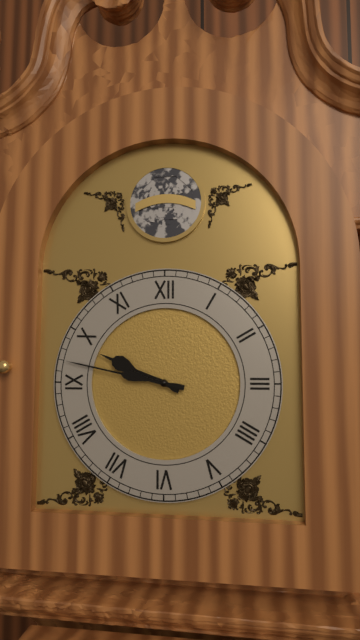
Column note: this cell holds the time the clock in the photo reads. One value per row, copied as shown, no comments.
9:47
